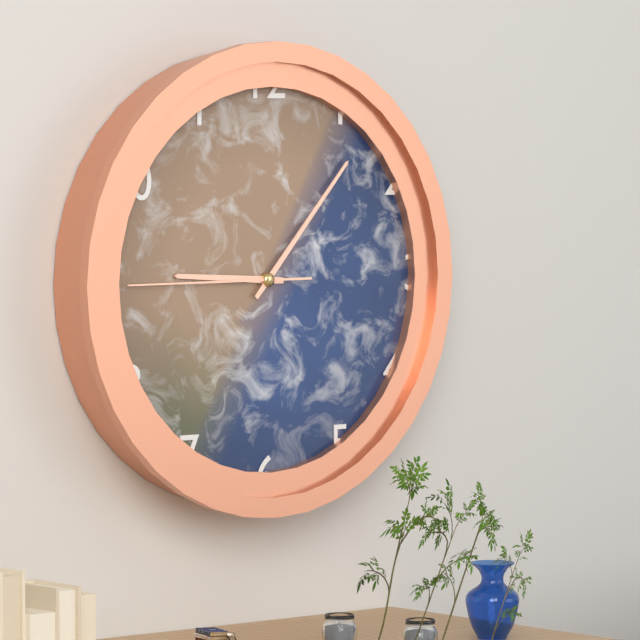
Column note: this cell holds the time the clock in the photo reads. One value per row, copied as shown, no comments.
9:07:45
